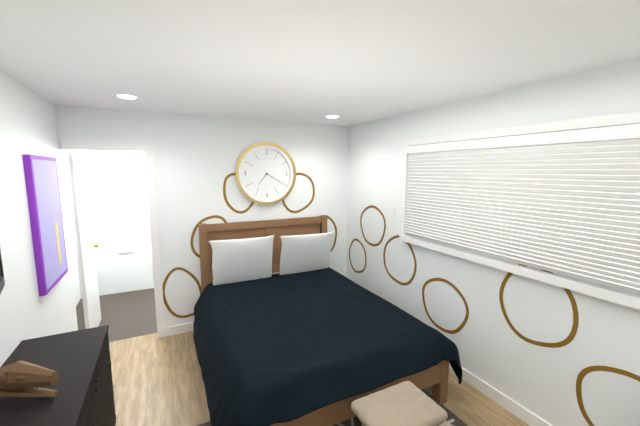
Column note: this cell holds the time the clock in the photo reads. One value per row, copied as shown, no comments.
7:20
